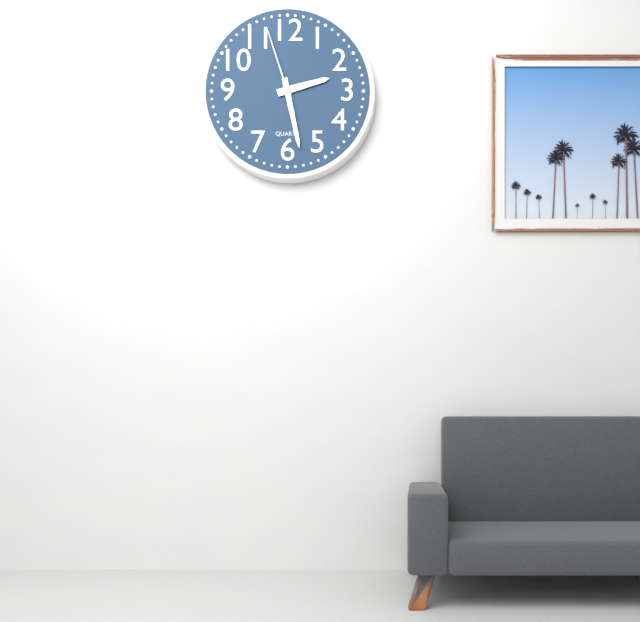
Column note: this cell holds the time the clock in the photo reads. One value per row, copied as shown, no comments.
2:28:57
